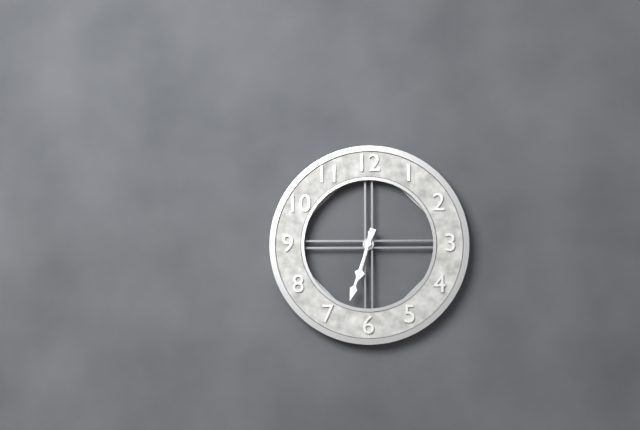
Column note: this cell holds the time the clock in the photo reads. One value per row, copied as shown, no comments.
6:33
